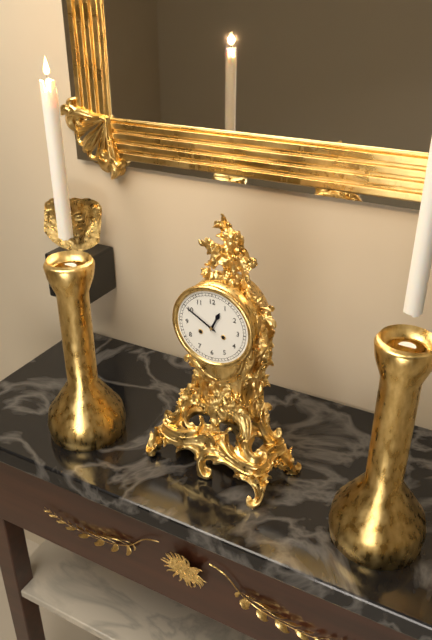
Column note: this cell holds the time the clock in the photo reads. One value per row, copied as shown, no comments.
12:50
